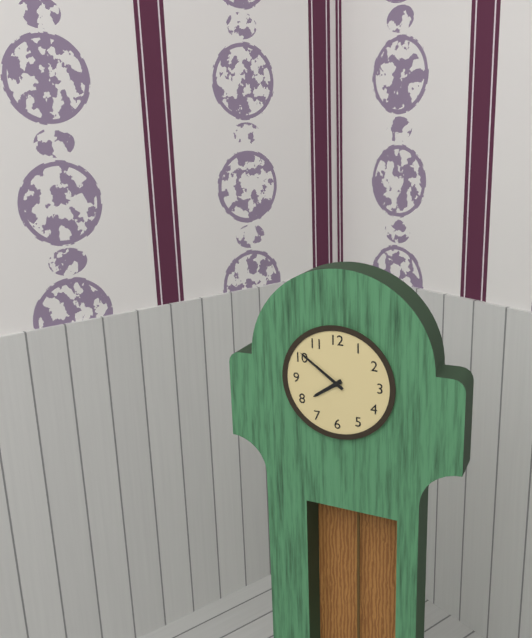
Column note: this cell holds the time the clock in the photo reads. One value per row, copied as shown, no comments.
7:51
